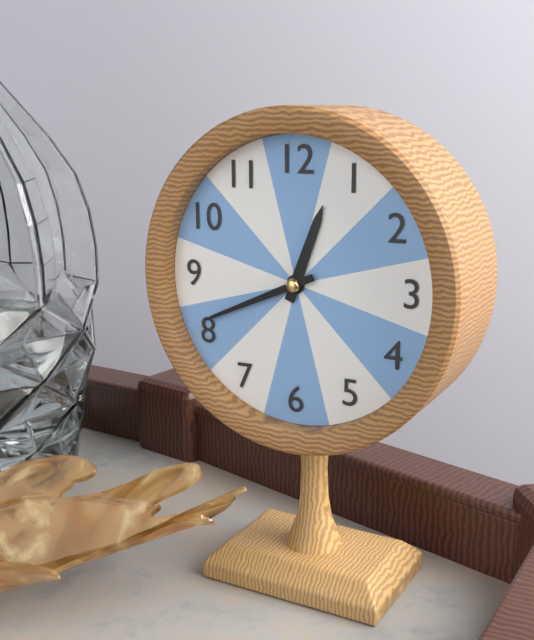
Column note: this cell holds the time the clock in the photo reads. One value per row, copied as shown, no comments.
12:41
